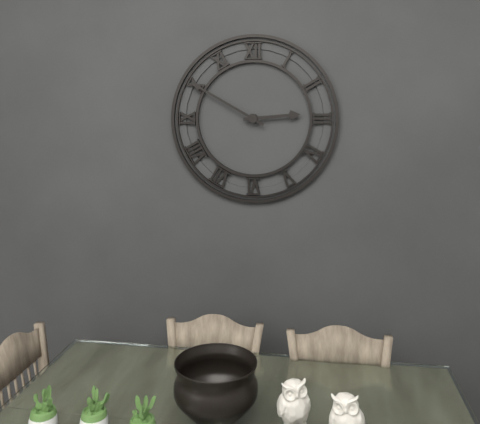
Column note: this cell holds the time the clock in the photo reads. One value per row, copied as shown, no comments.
2:50
